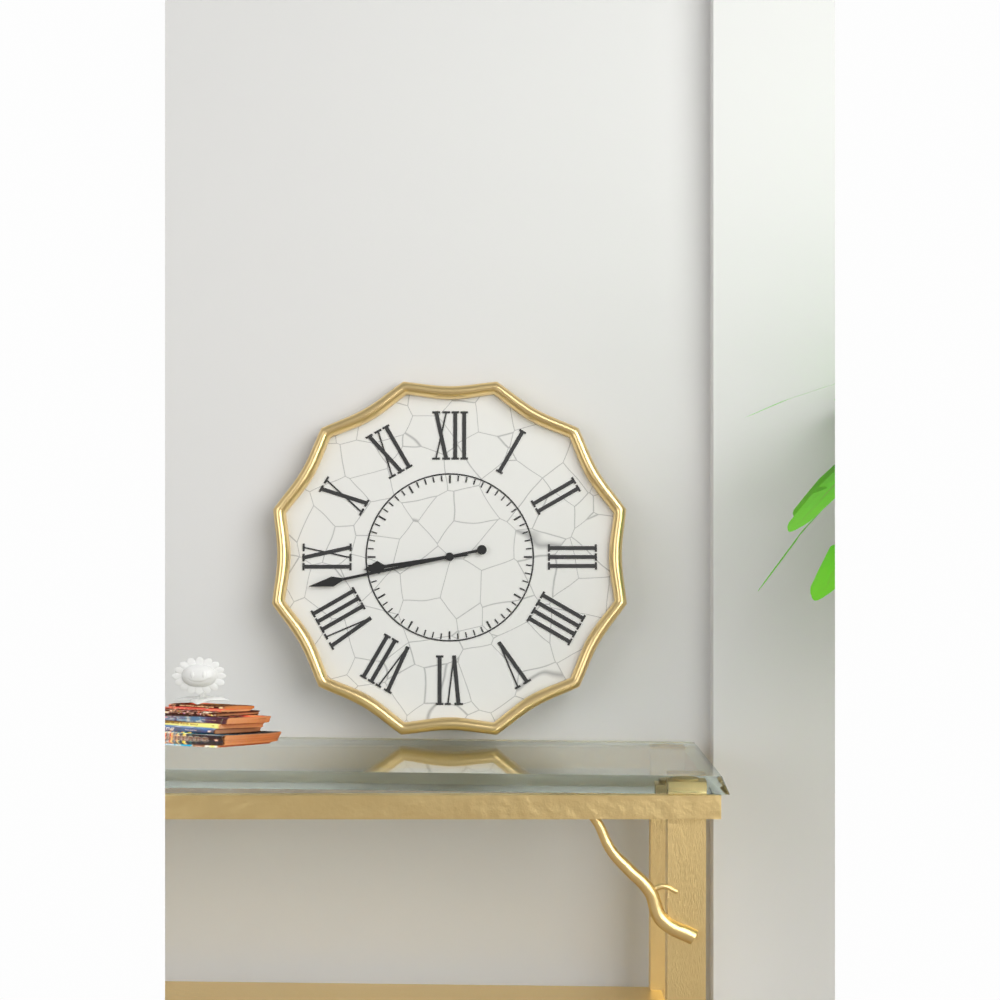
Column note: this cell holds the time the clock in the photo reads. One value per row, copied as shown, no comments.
8:43
